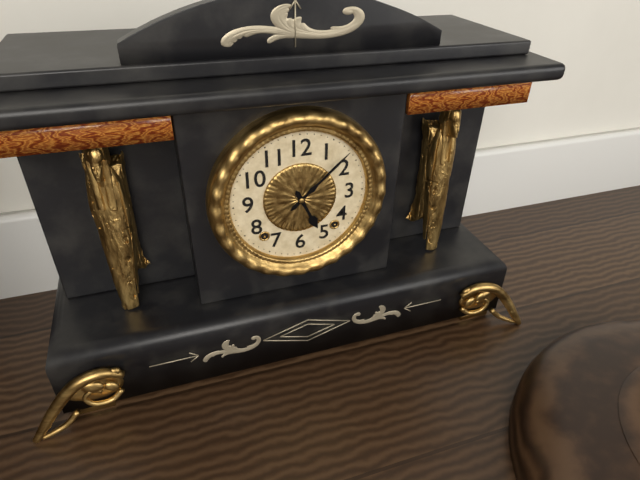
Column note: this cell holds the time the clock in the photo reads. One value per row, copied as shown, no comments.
5:08
